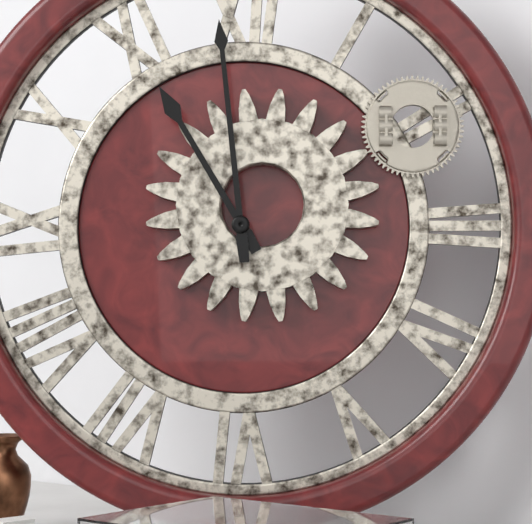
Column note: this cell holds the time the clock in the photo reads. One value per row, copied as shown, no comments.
10:59
